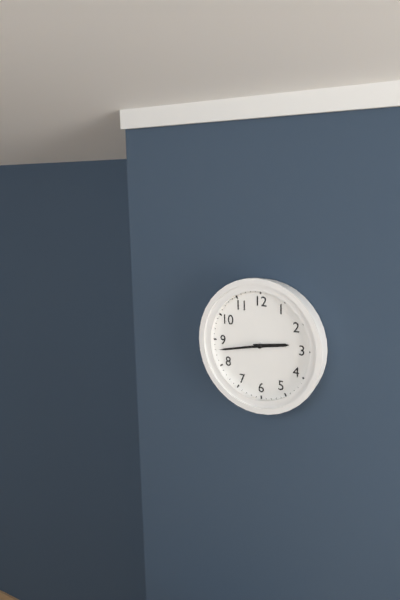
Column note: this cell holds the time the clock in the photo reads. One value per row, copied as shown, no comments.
2:43
